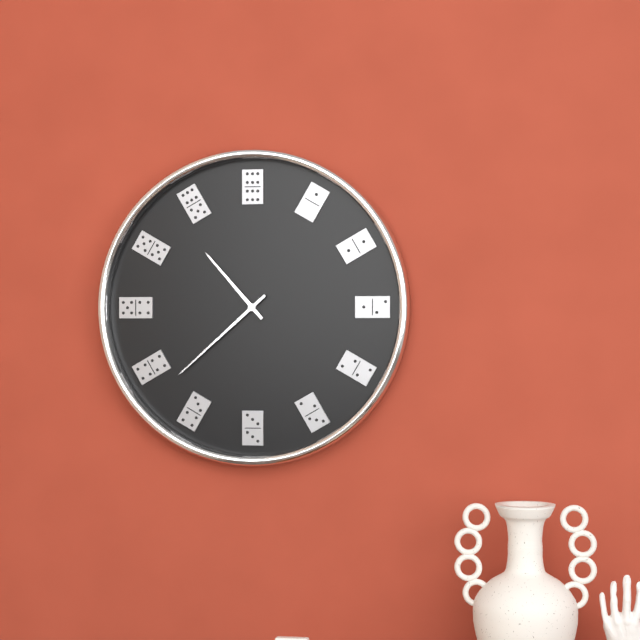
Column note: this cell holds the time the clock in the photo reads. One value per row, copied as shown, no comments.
10:38
